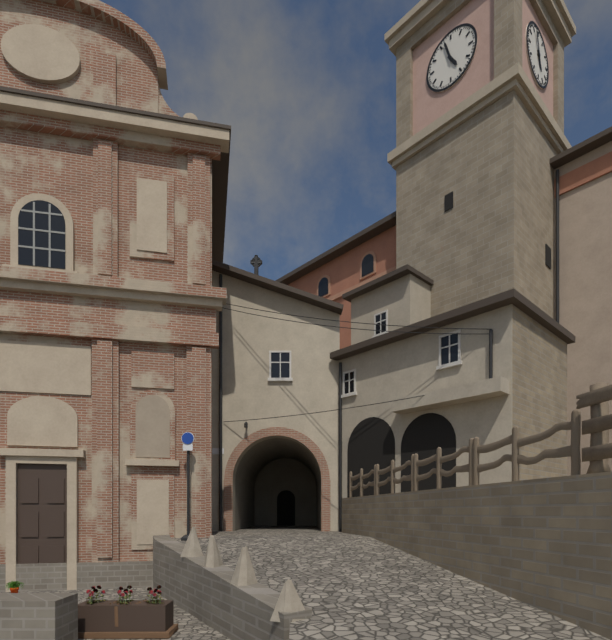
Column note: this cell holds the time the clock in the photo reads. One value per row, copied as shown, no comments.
4:57
